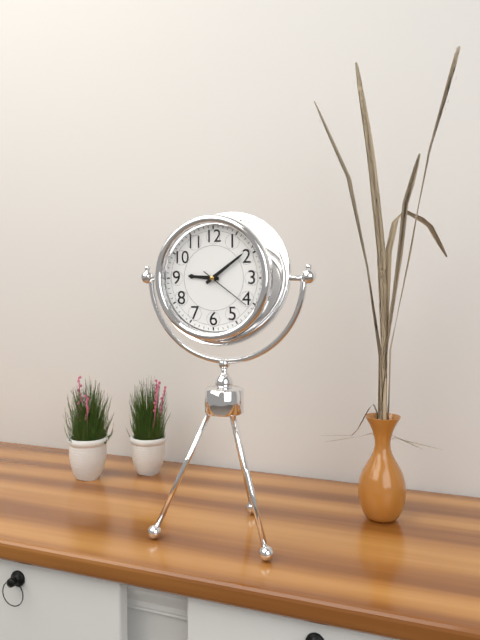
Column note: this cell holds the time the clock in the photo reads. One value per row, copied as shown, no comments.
9:09:21
